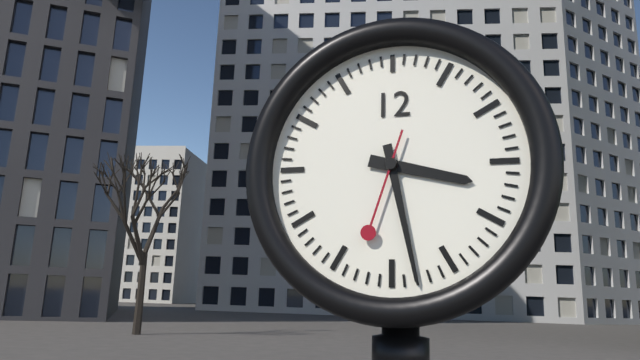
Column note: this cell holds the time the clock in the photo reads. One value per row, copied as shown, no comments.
3:28:33
